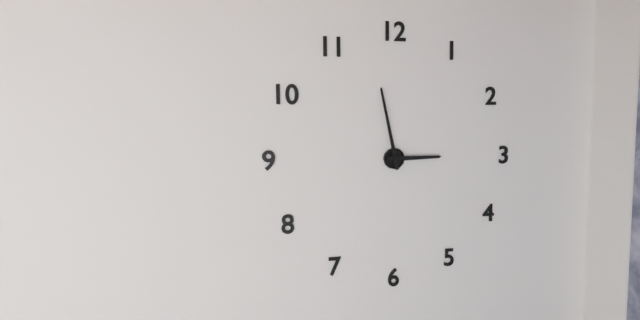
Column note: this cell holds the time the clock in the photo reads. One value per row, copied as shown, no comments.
2:58
